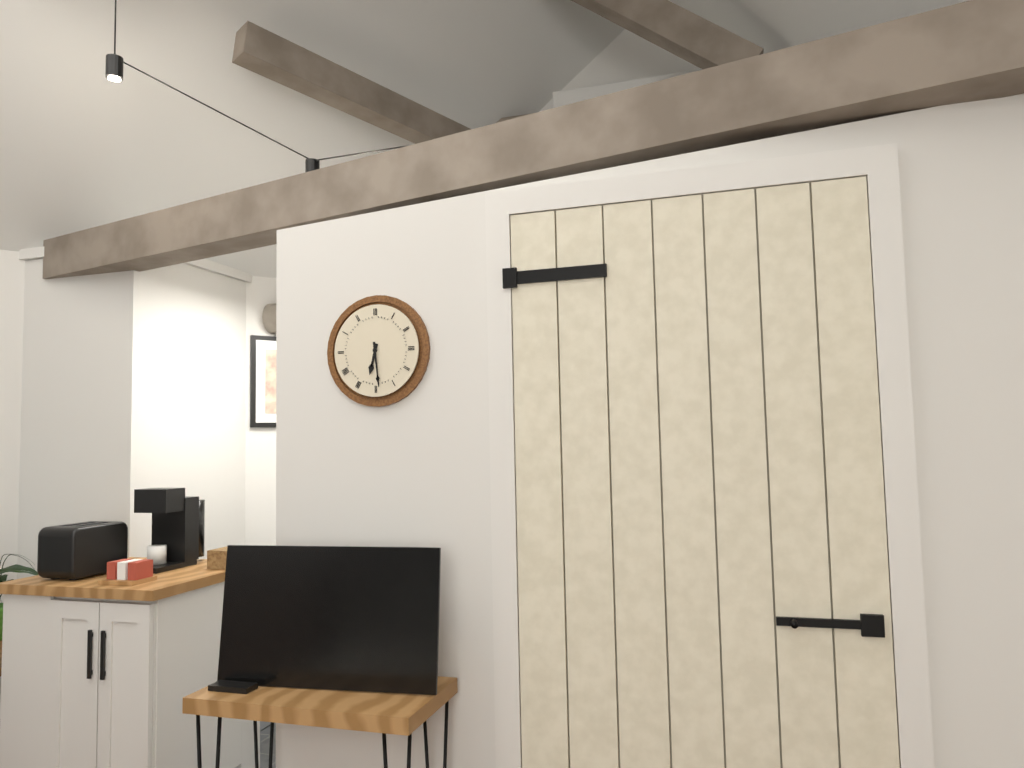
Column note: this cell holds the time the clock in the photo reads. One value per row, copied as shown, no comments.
6:29
